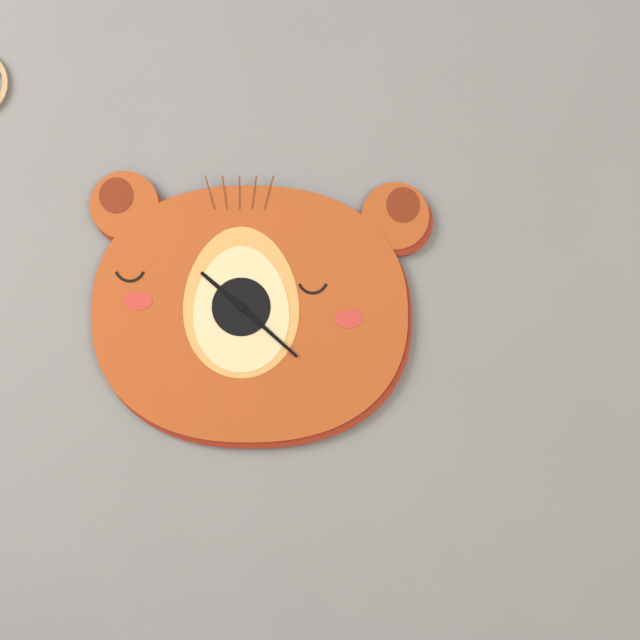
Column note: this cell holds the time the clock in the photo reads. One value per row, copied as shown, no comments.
10:22
